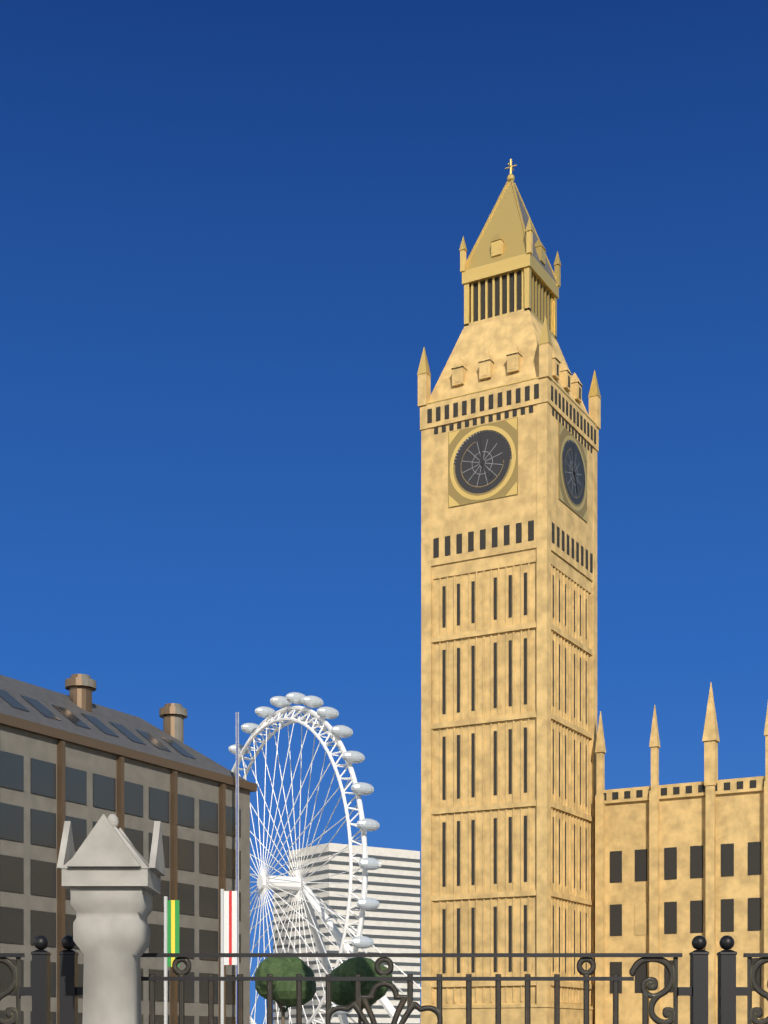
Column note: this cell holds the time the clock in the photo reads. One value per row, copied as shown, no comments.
4:59
